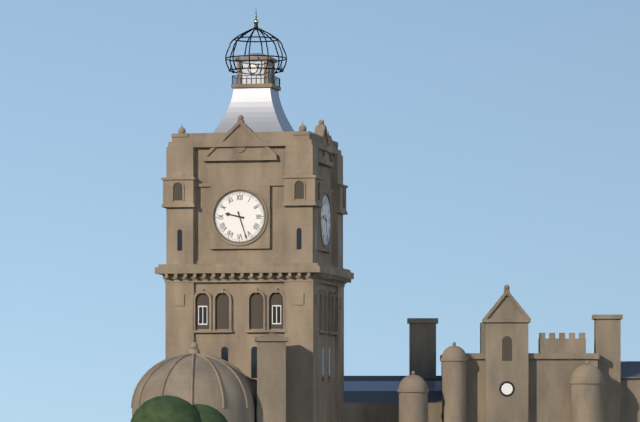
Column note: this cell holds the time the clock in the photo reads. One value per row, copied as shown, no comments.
9:27
